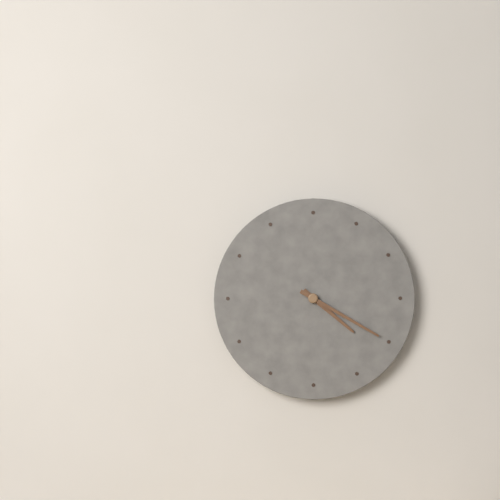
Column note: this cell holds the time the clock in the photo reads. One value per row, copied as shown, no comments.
4:20
